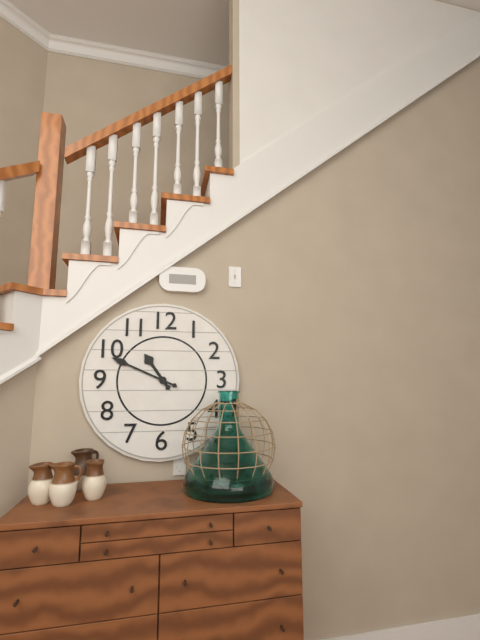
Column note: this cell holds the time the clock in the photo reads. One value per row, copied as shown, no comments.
10:49
